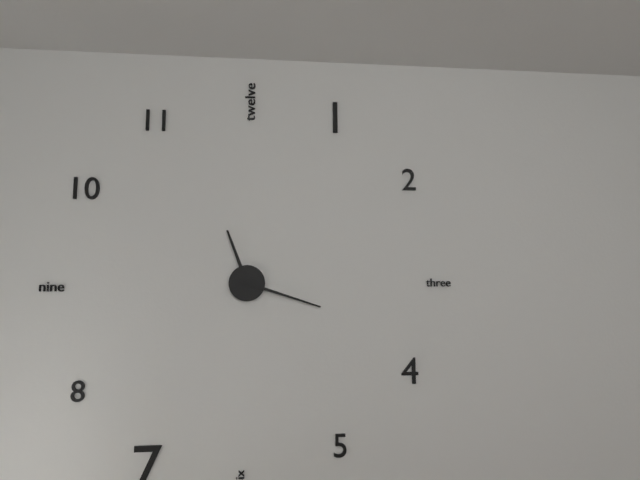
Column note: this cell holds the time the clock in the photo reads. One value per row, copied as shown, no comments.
11:18
